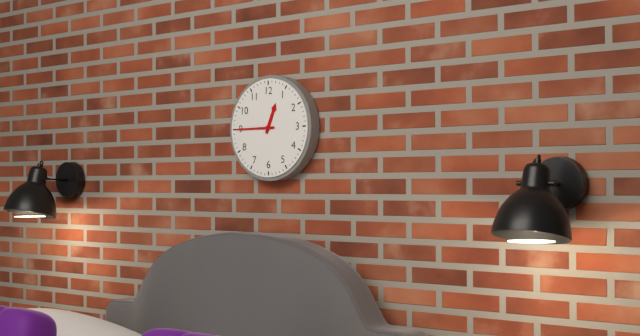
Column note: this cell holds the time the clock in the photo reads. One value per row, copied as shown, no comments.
12:45
